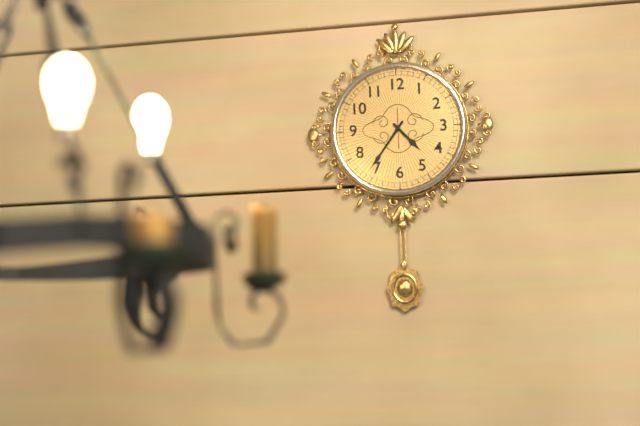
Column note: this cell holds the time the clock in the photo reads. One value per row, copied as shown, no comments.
4:36
